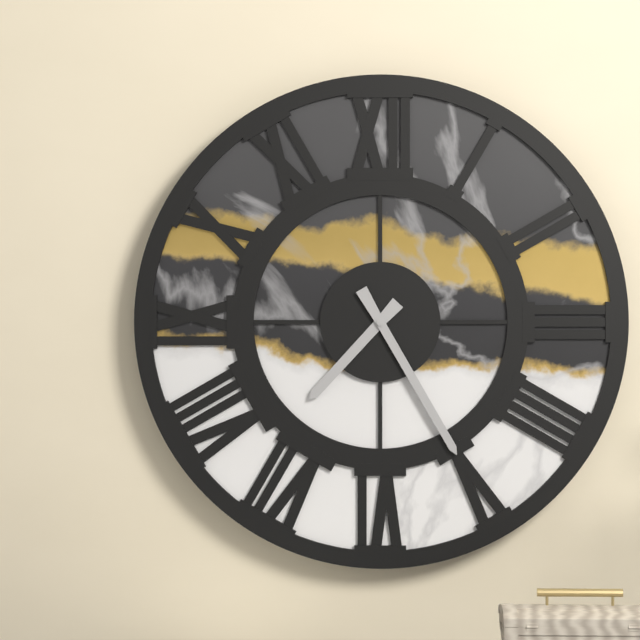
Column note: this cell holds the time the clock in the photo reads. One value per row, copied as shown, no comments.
7:25
